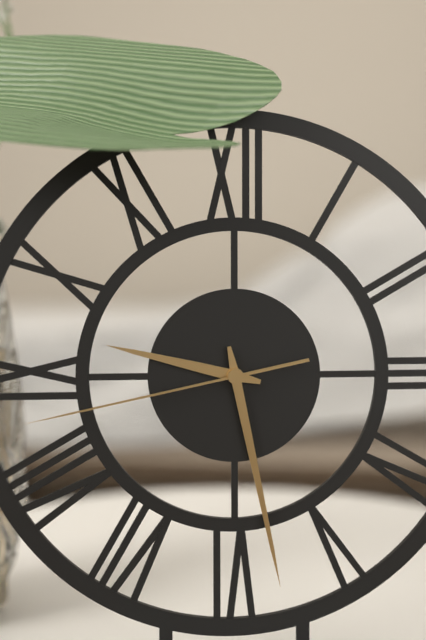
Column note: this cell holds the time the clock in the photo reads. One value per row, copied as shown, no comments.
9:28:43
